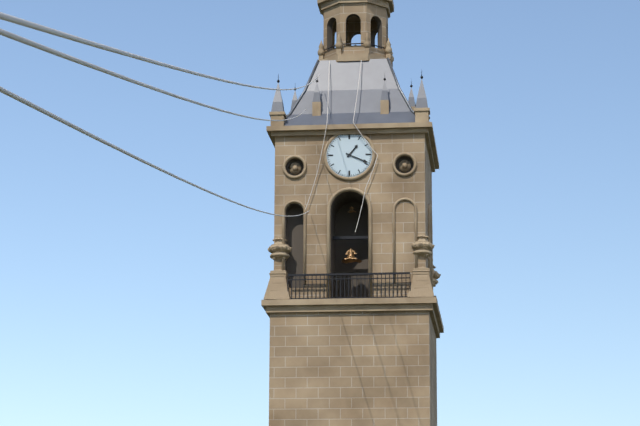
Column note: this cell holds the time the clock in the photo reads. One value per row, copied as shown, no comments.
1:19
